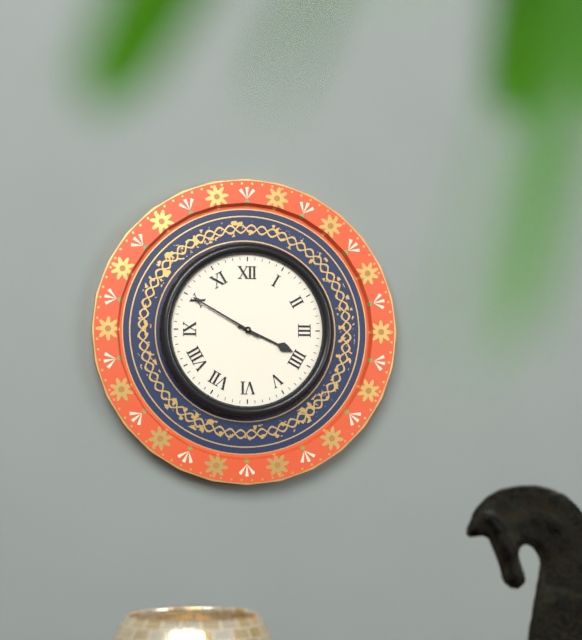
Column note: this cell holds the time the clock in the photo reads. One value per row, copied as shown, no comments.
3:50
